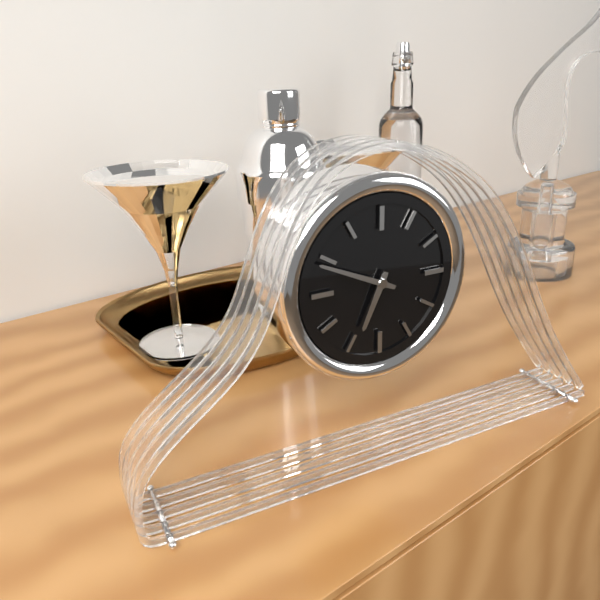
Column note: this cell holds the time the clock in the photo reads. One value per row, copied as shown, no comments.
6:49
